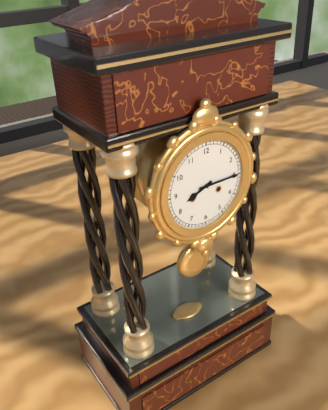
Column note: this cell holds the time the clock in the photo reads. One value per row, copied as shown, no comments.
8:15
